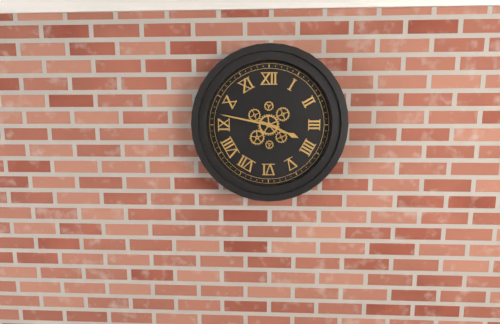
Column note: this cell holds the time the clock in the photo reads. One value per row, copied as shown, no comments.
3:47
